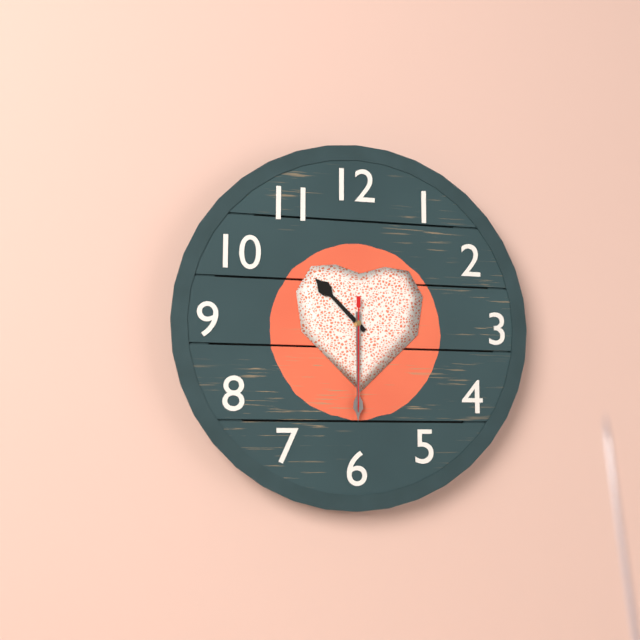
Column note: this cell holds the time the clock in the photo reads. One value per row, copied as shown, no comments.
10:30:30
